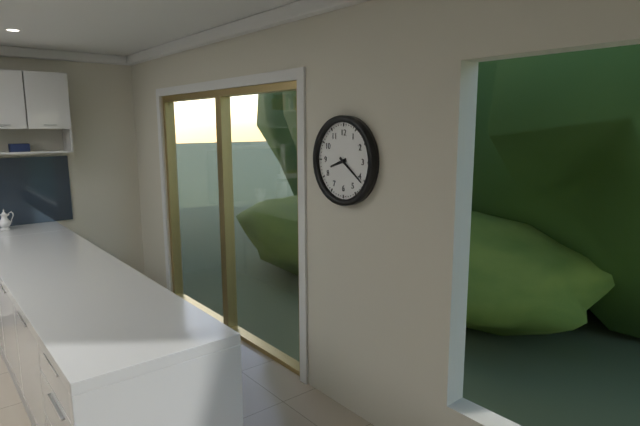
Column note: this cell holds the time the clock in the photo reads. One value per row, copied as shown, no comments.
8:21
